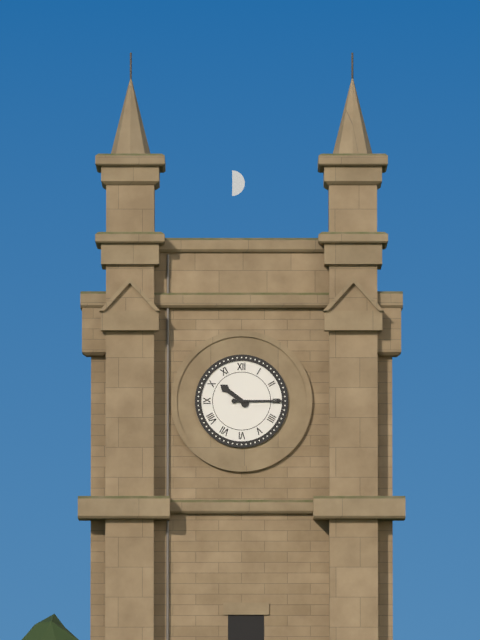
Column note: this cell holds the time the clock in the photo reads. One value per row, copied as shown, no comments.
10:15
